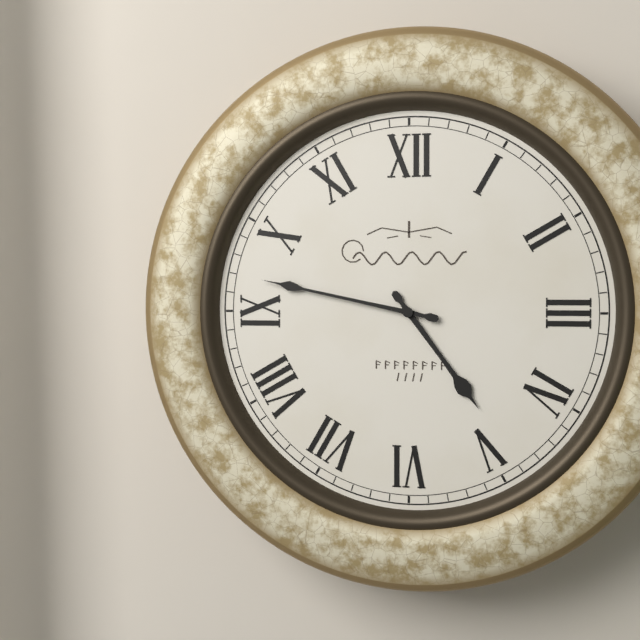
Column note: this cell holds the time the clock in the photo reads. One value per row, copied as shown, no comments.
4:47
